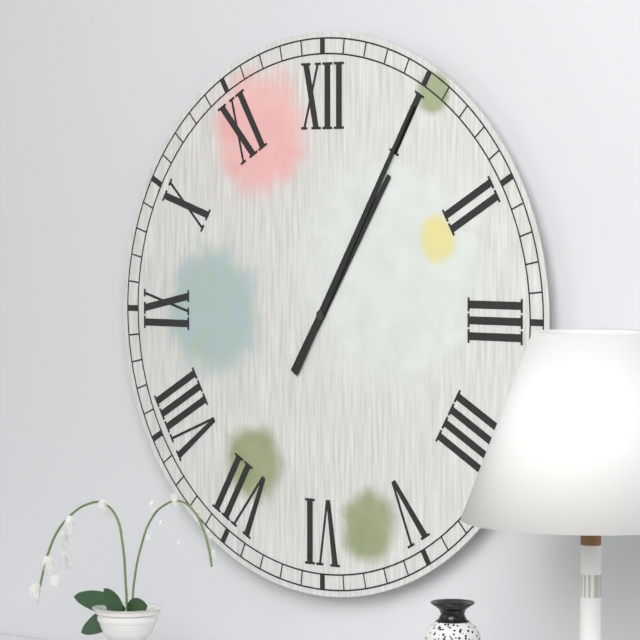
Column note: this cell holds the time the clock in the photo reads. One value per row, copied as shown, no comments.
1:05
